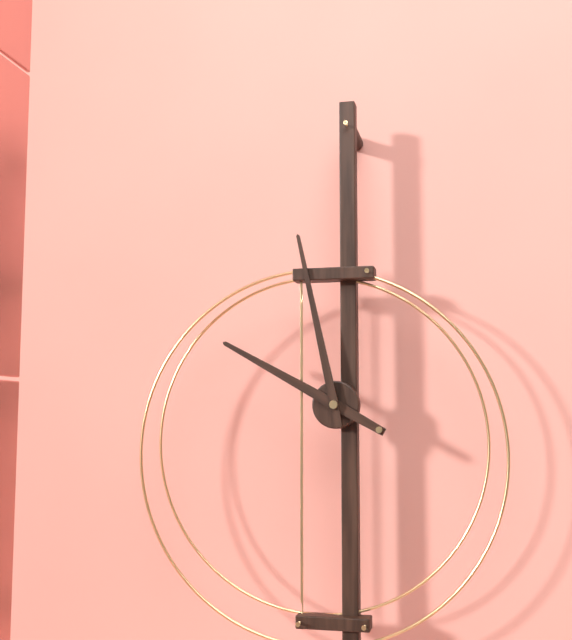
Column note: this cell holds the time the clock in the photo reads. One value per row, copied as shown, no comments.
9:58
